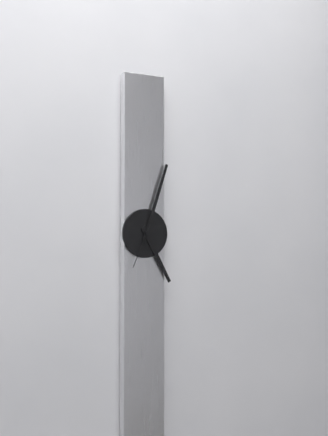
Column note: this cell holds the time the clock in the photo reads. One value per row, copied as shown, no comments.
5:03
